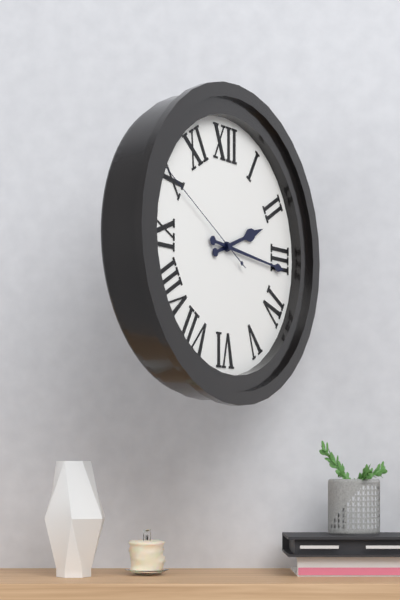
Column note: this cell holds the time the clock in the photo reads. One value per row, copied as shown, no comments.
2:16:50
